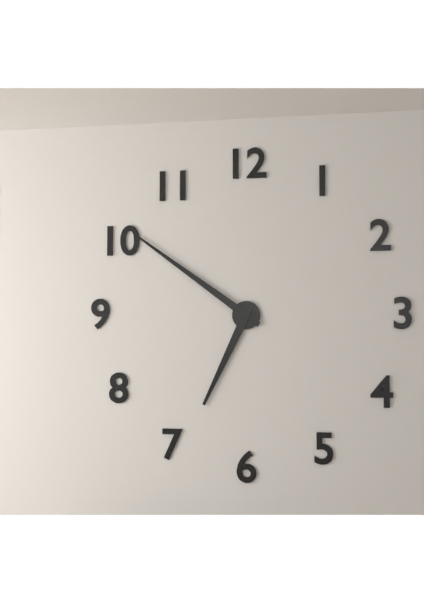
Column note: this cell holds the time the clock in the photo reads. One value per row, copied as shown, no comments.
6:51
